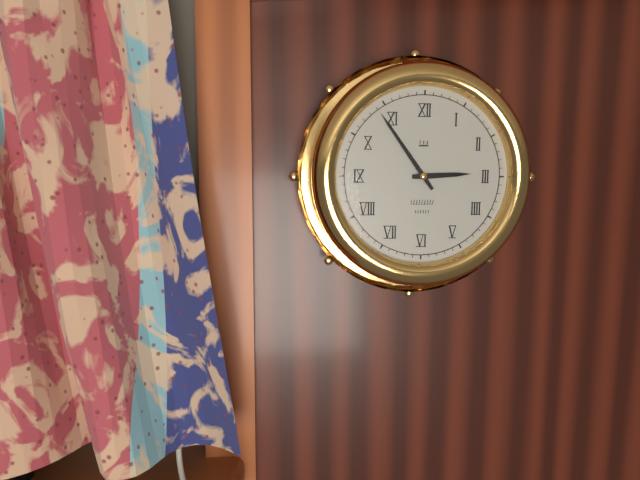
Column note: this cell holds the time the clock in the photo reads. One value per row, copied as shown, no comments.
2:54
